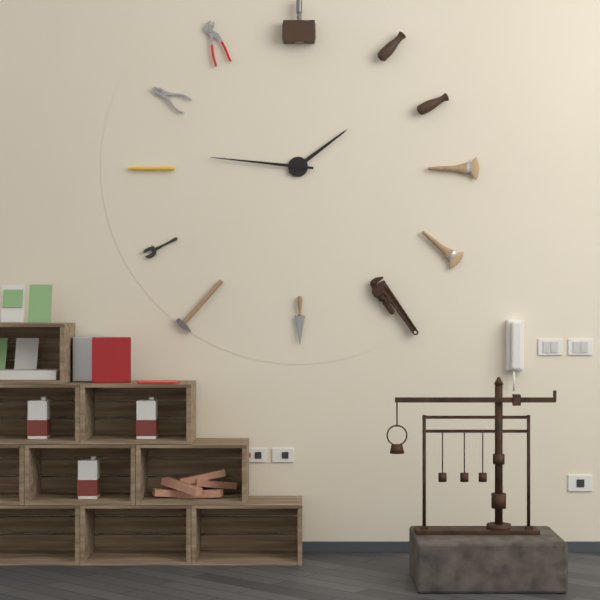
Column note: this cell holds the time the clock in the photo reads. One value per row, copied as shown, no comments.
1:46
